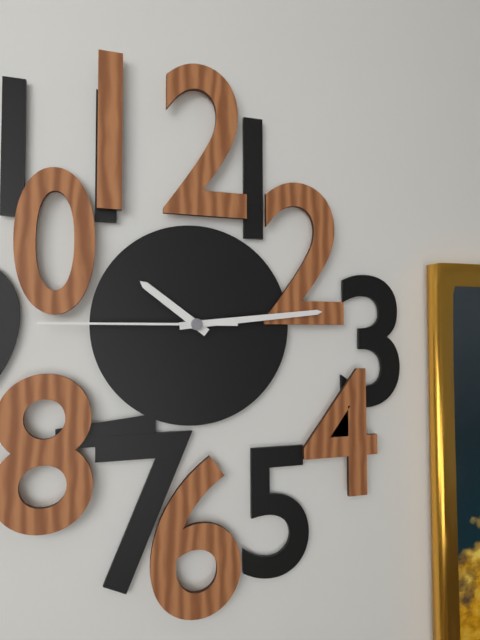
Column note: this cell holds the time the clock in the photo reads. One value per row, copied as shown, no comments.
10:14:45
